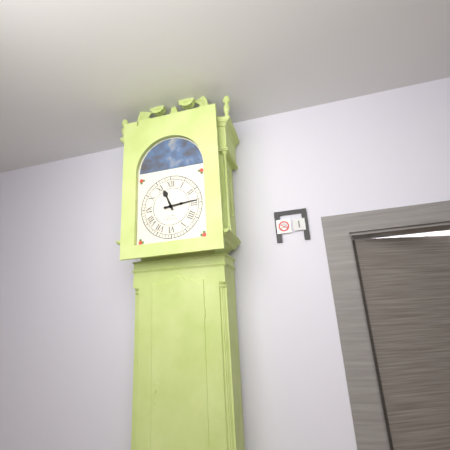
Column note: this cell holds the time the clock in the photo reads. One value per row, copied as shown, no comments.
11:14
